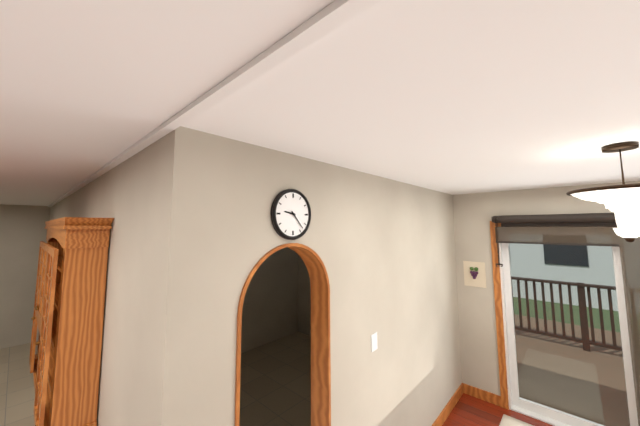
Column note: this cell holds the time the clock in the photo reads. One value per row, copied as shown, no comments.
9:23
